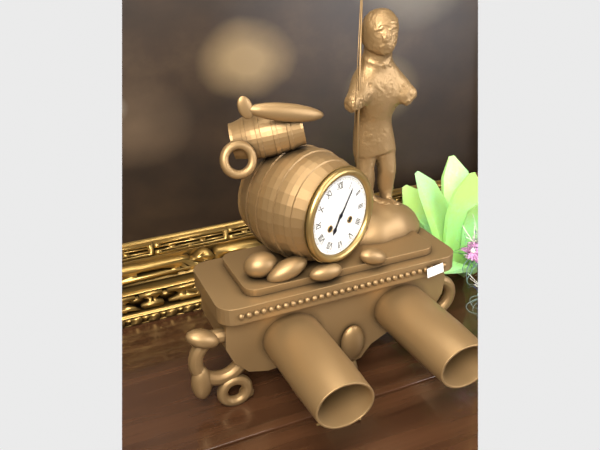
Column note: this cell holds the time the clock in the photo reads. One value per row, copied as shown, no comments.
7:06
